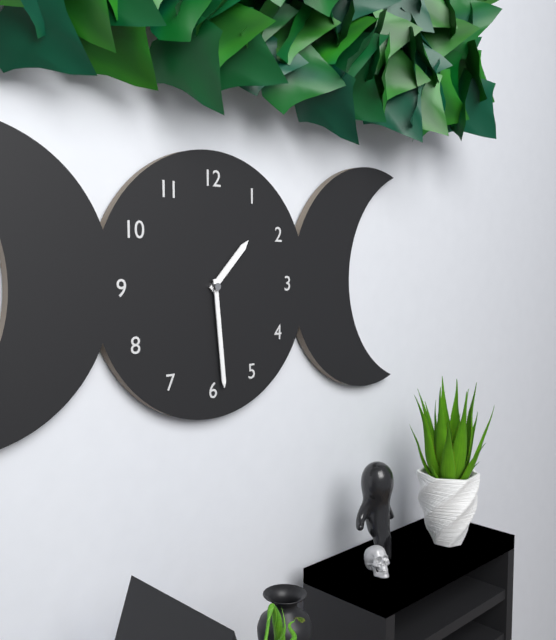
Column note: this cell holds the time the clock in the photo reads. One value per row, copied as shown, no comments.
1:29
